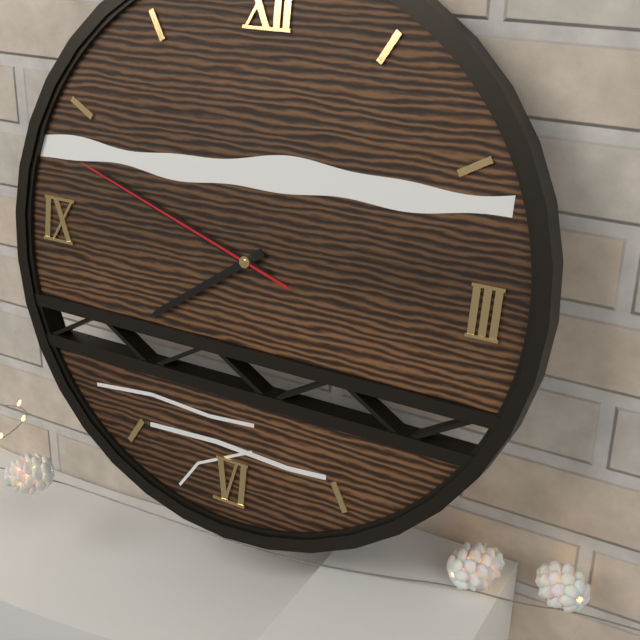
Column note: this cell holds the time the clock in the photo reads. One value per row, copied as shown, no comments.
7:48:48
